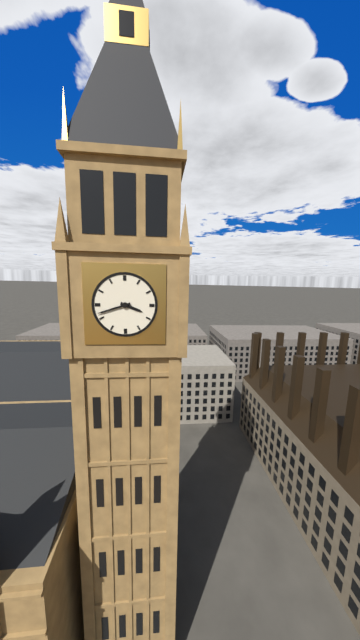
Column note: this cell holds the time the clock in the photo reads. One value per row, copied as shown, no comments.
3:42
